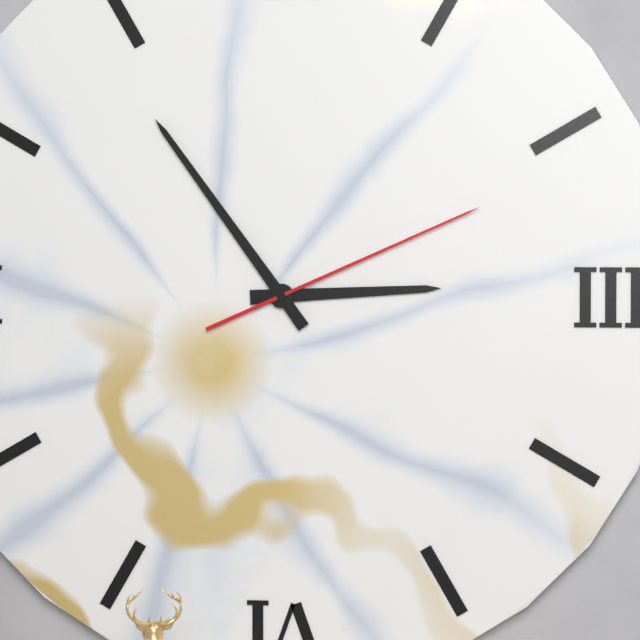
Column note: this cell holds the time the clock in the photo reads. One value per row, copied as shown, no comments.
2:54:11
